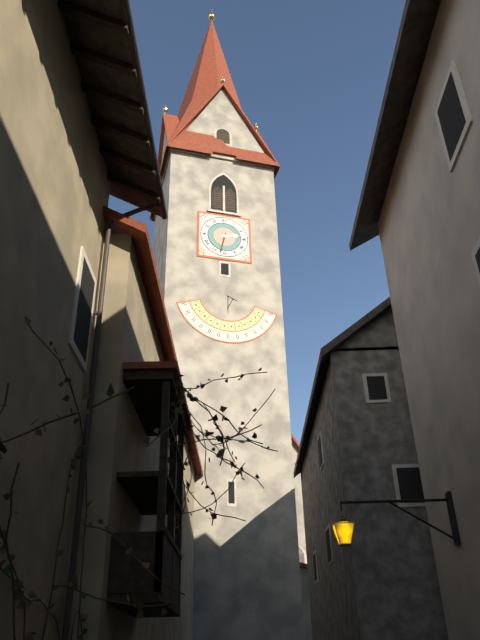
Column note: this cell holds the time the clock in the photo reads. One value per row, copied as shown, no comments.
2:32
